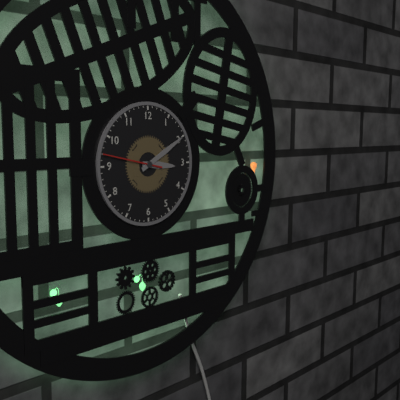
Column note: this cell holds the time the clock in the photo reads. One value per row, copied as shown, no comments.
3:10:47
